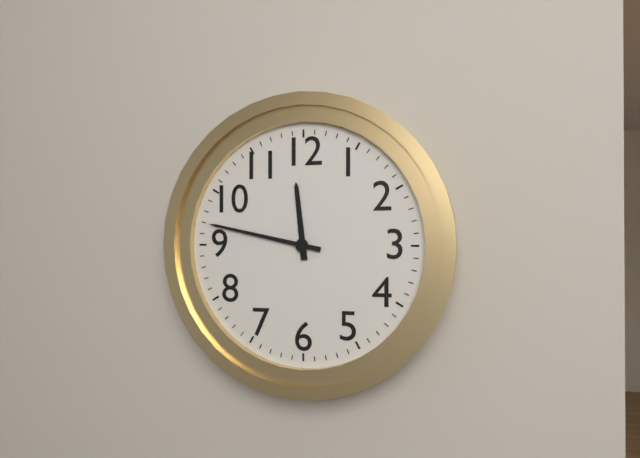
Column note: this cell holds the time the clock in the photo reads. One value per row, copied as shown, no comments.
11:47
